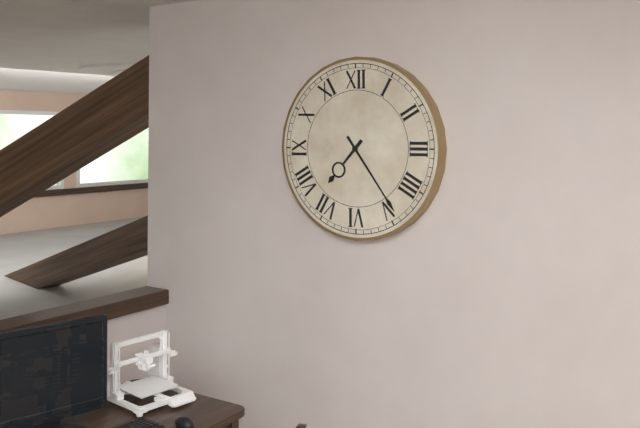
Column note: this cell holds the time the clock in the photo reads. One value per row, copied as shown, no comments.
7:24
